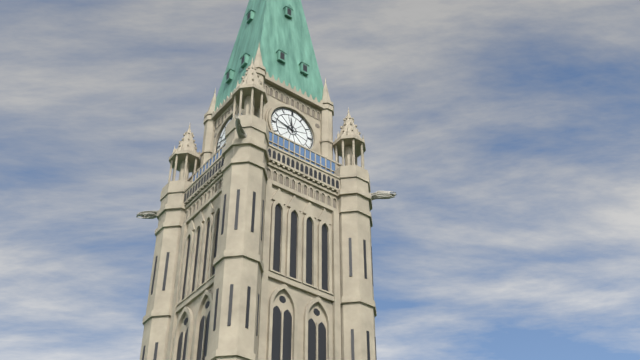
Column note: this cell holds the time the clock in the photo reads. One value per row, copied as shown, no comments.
11:47
